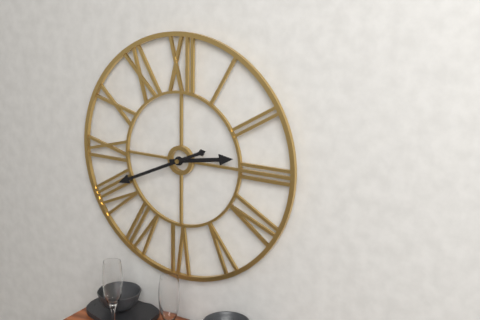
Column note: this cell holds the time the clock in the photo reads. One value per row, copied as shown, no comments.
2:41
